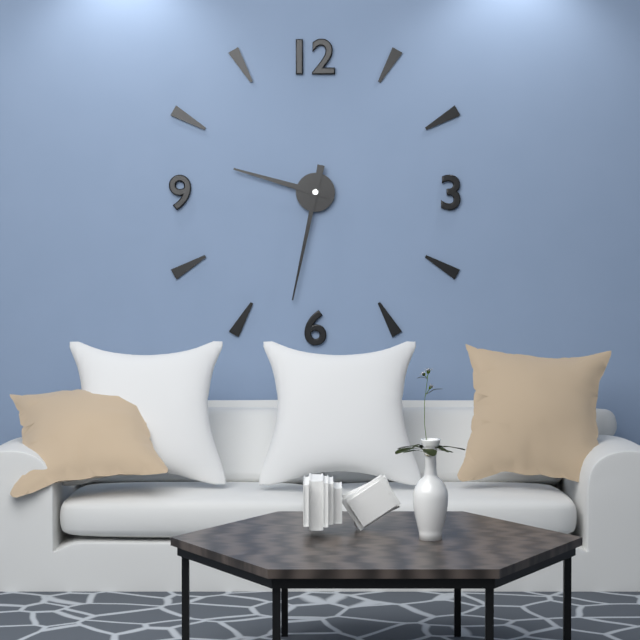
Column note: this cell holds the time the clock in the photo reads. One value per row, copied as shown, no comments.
9:32
